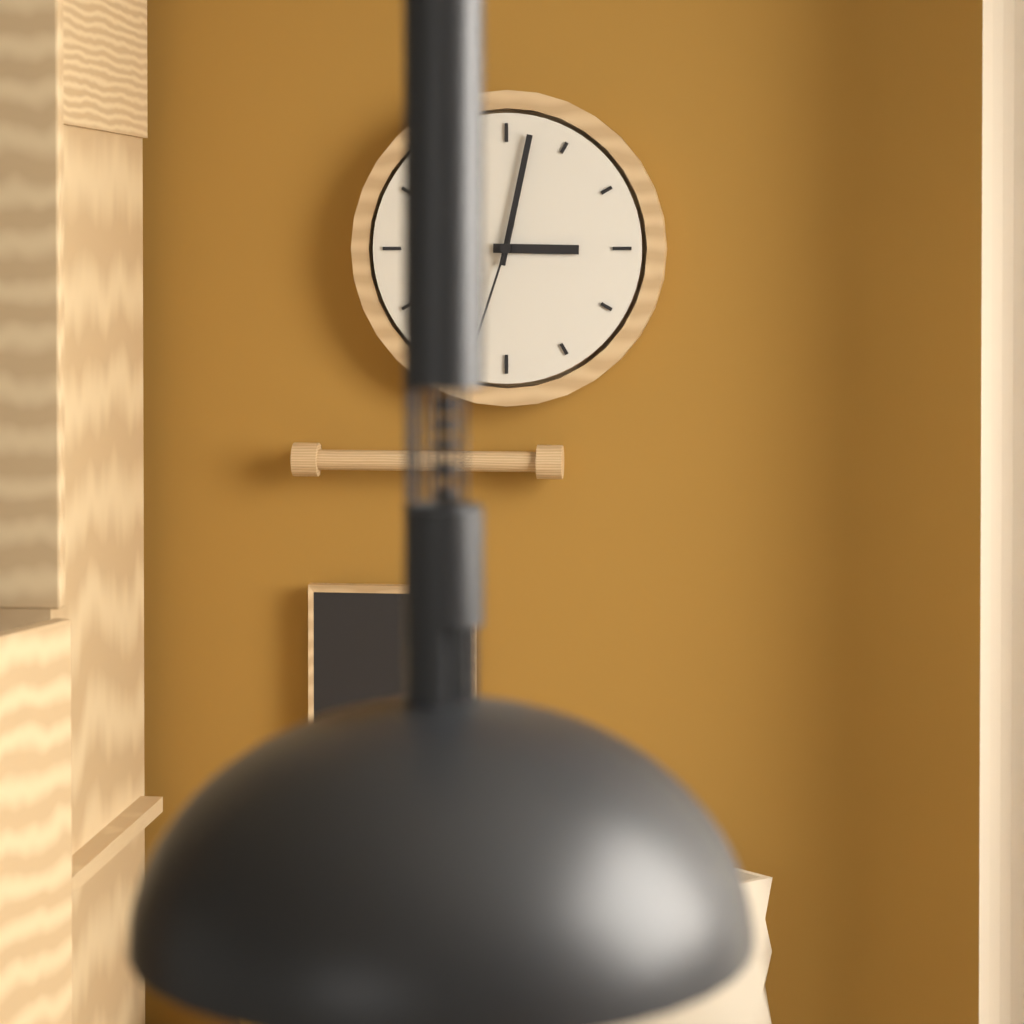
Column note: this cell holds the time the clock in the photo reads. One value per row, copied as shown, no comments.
3:02
